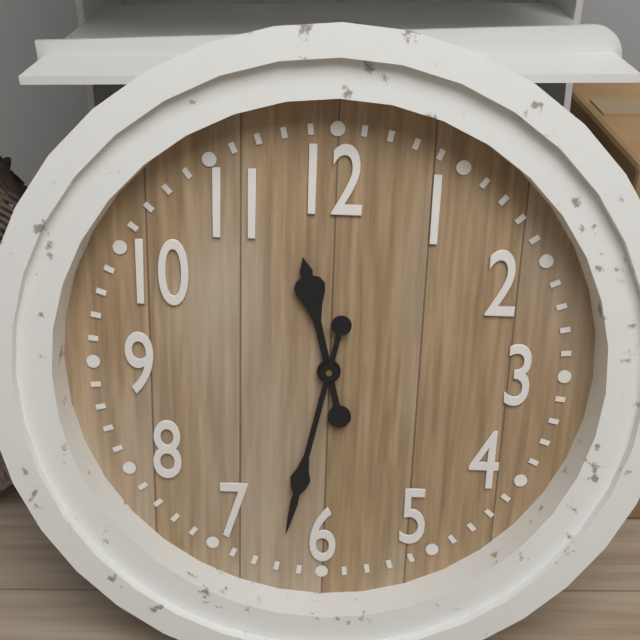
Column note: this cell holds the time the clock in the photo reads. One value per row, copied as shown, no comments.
11:32
